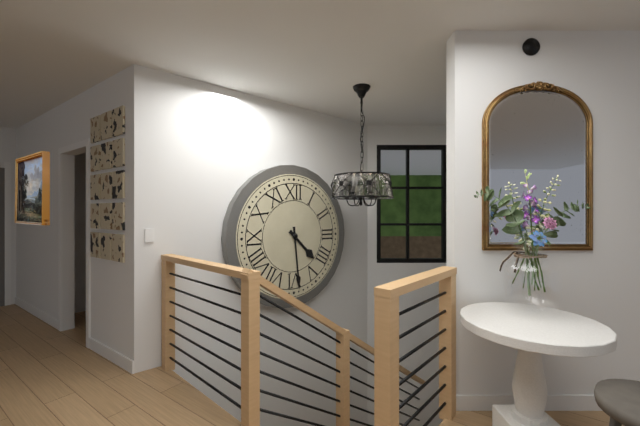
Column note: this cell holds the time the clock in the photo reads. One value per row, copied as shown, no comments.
4:29
